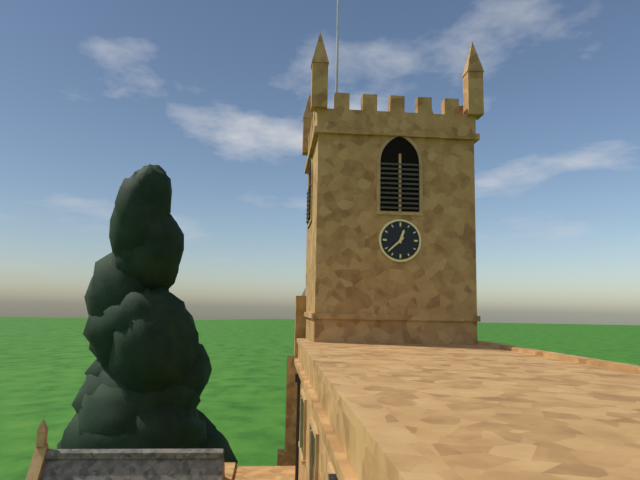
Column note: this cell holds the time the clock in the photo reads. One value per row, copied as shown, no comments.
12:38
